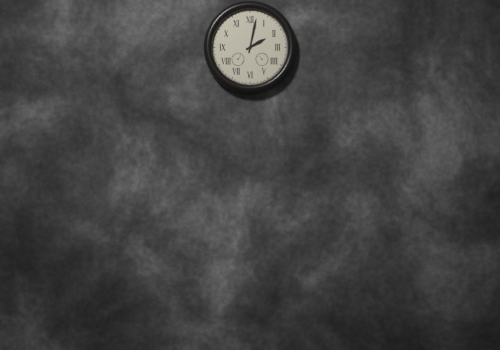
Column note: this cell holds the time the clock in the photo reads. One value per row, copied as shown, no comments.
2:02
